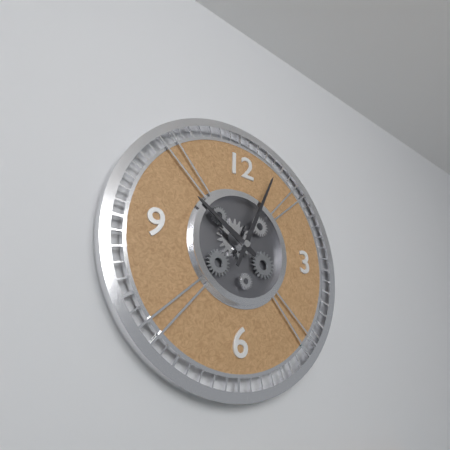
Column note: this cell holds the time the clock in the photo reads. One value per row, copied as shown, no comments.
10:04
